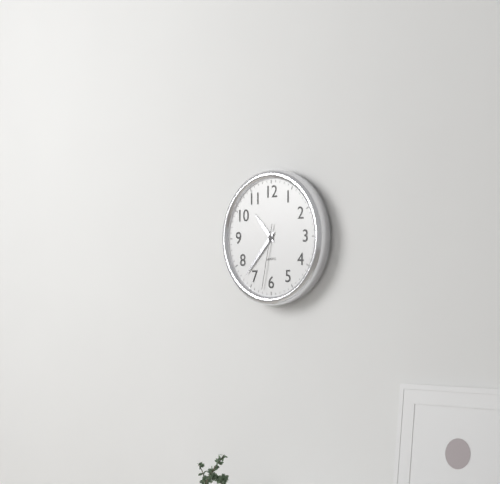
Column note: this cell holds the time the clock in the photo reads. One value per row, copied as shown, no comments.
10:37:32
